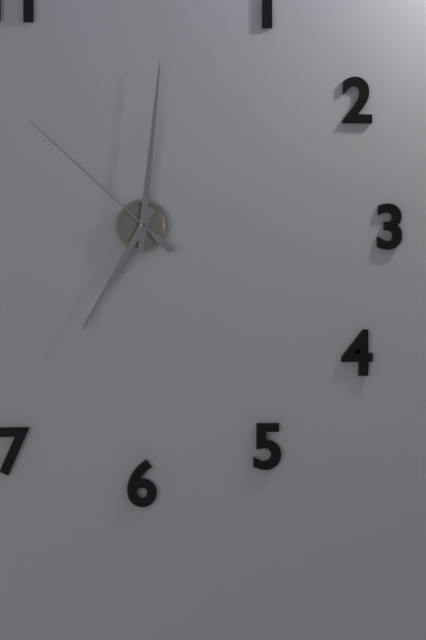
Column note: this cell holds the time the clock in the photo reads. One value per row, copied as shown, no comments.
7:01:52
